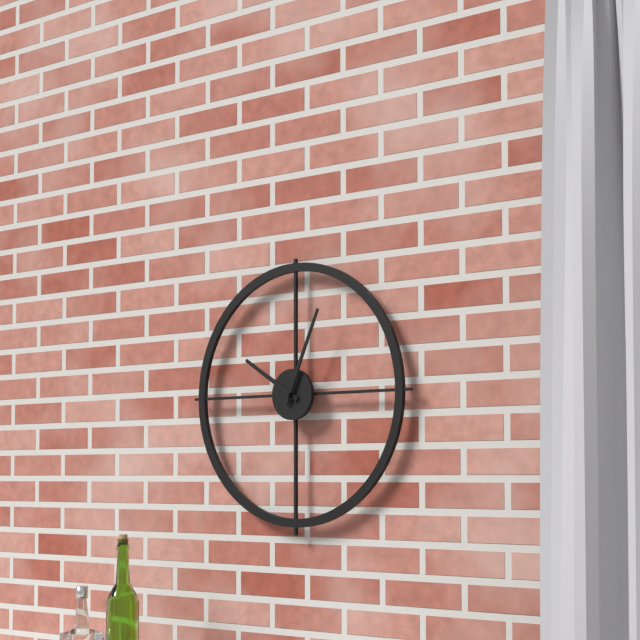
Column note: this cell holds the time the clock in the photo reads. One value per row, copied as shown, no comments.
10:04
